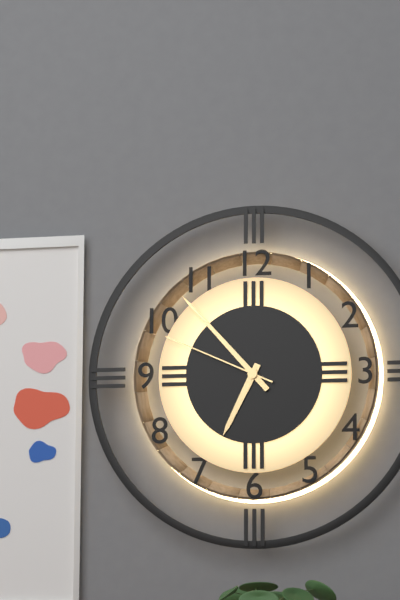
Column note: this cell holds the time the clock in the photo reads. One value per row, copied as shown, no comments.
6:53:49
